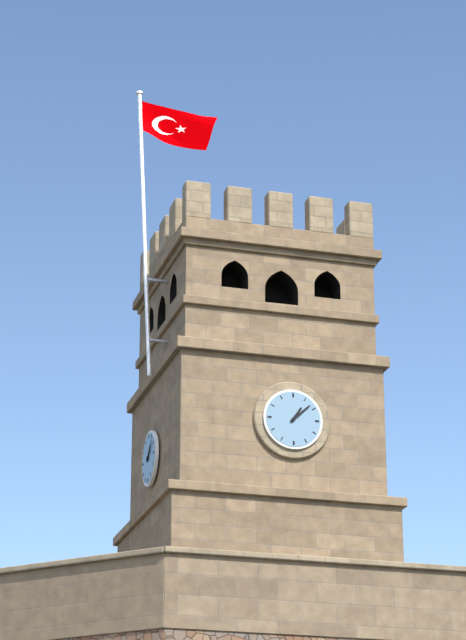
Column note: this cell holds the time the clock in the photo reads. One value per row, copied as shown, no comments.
1:08
